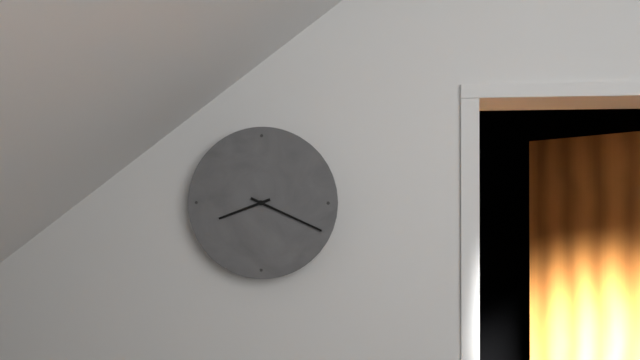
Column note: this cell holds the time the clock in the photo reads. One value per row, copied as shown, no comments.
8:19
